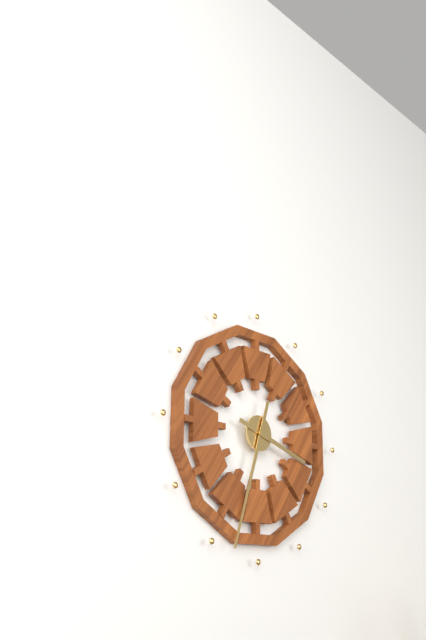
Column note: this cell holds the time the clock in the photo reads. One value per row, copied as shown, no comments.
3:33
